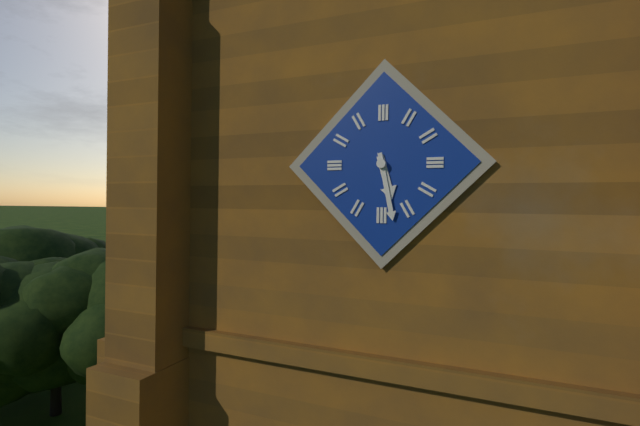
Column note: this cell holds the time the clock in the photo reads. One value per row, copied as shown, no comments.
5:28
